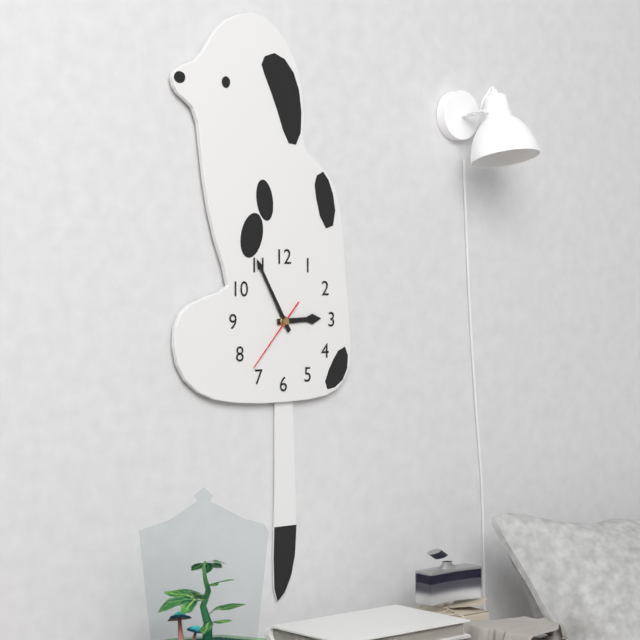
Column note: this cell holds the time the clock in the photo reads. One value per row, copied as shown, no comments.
2:55:37
